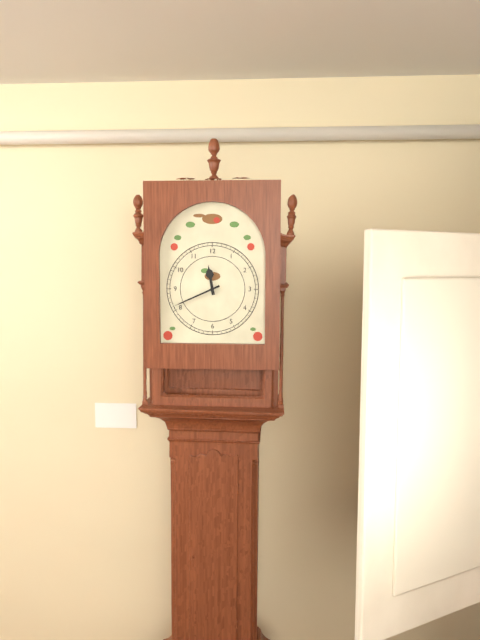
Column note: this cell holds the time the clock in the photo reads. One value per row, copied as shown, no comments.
11:41
